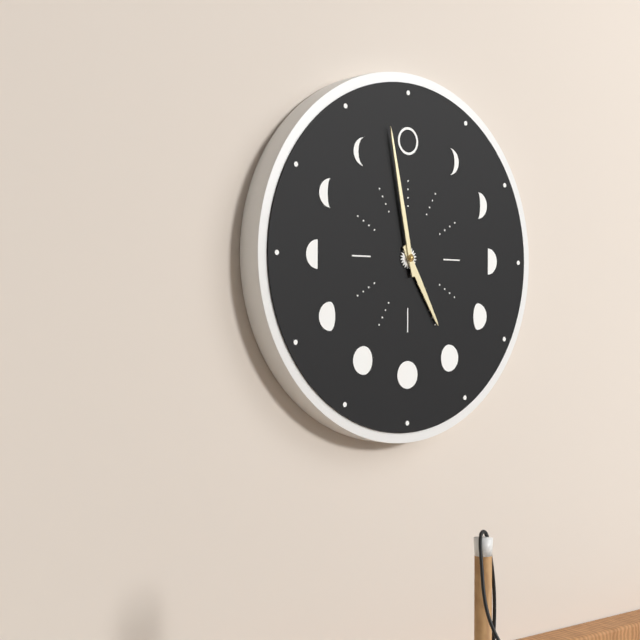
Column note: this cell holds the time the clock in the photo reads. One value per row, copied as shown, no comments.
4:58
